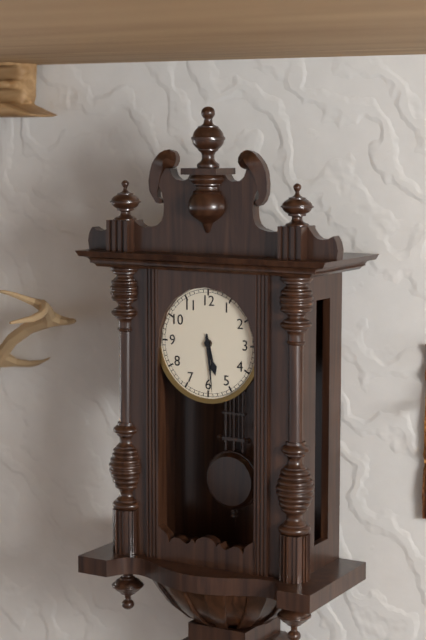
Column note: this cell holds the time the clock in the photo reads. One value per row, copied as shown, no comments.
5:29
